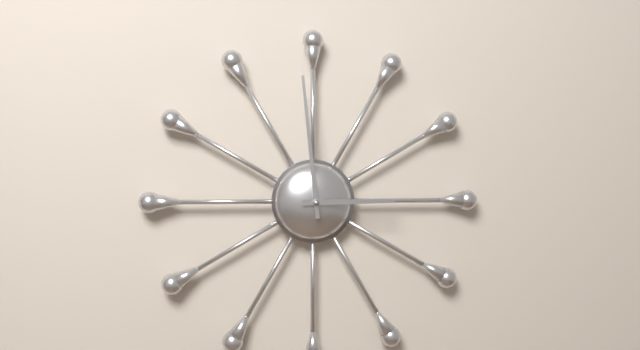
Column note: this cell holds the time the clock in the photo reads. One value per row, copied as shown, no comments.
2:59
